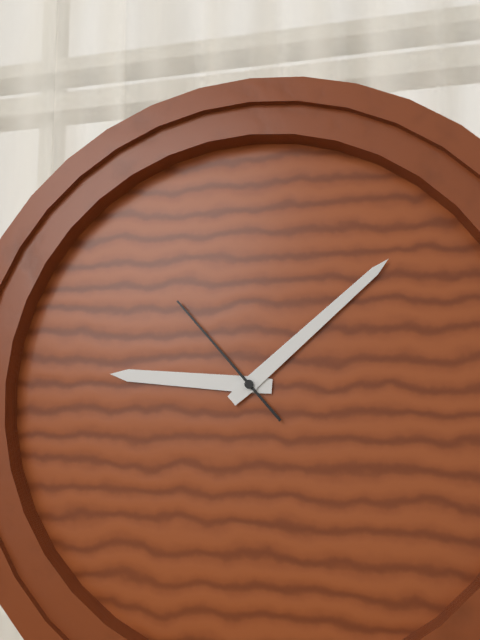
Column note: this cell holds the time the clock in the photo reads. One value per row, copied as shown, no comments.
9:08:53
